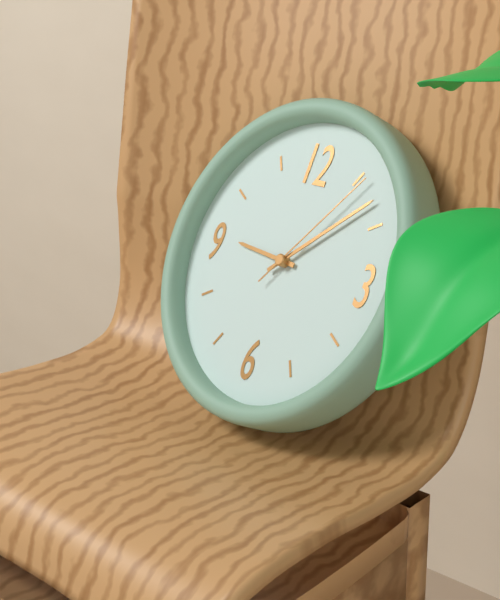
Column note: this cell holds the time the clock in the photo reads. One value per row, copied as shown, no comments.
9:08:06
